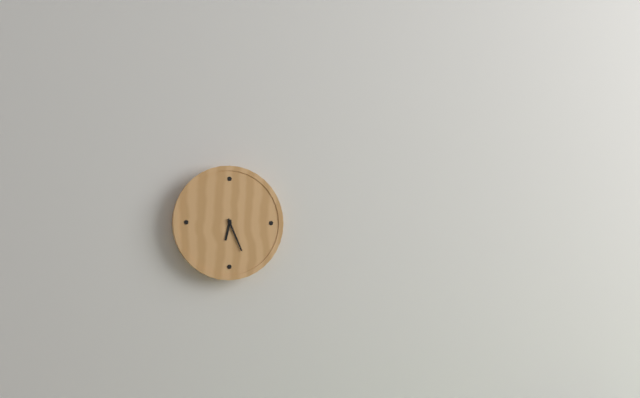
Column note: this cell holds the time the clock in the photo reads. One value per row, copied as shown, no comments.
6:26
